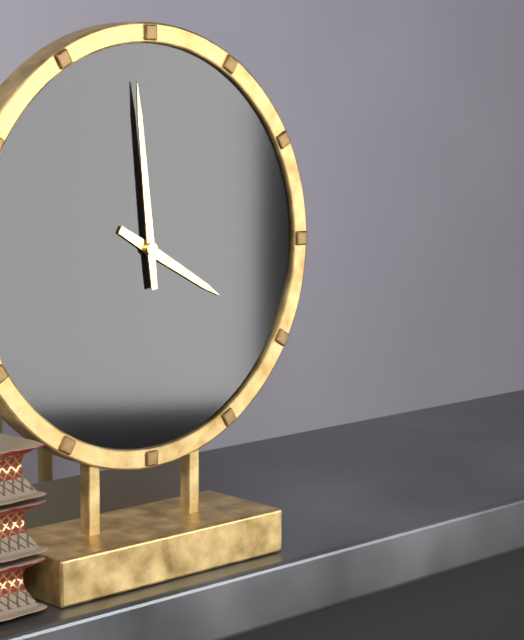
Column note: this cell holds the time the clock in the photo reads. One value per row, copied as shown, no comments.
3:59
